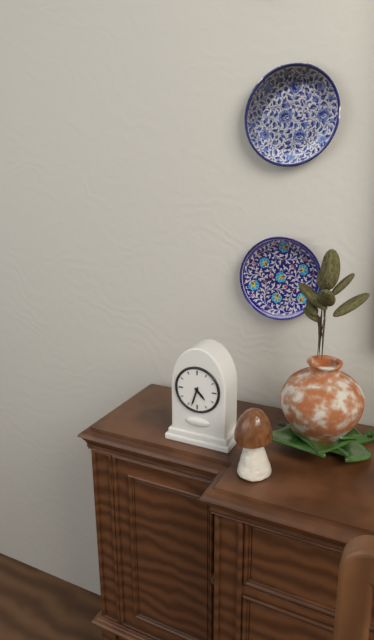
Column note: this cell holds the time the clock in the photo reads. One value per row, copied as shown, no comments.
4:33
